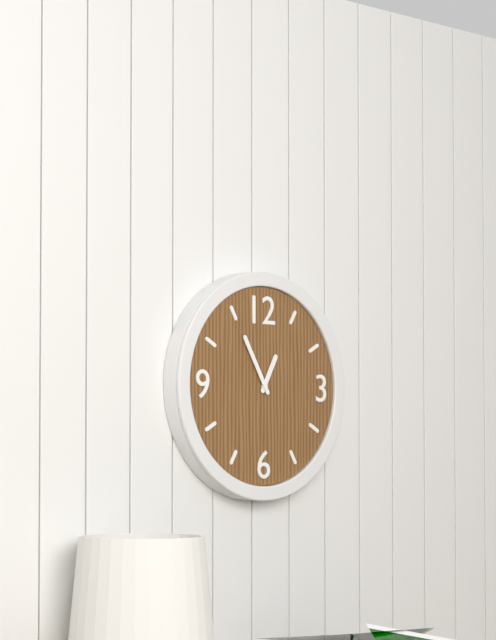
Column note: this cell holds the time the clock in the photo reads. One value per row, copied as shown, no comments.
12:55
